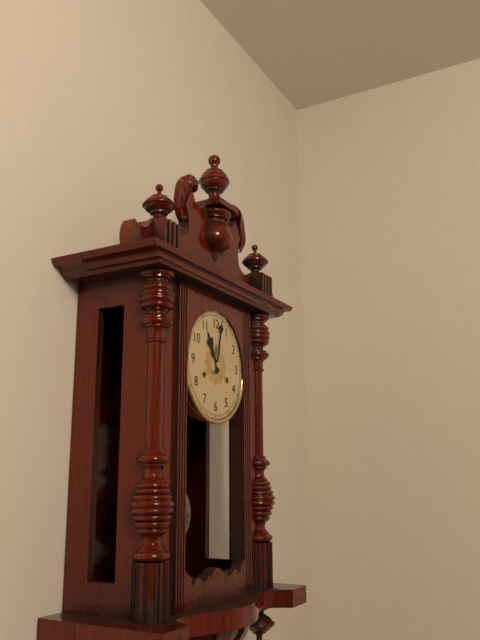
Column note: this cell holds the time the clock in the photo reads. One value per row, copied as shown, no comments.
11:02
